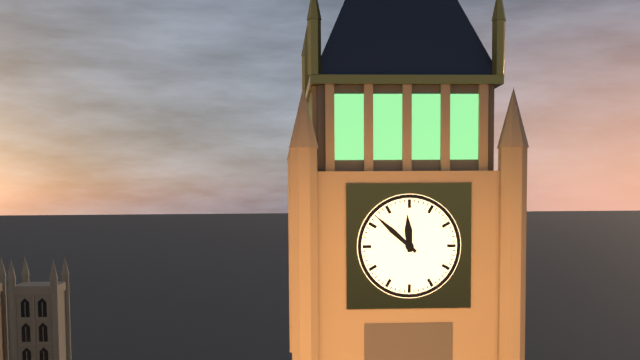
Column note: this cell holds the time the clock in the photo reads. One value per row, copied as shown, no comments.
11:52
